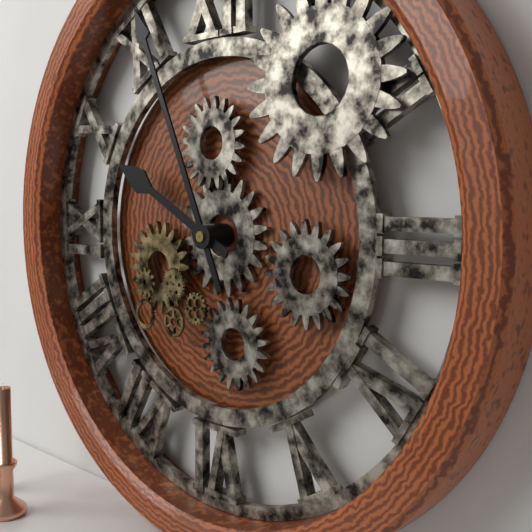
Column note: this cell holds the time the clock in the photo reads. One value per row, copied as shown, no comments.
9:56
